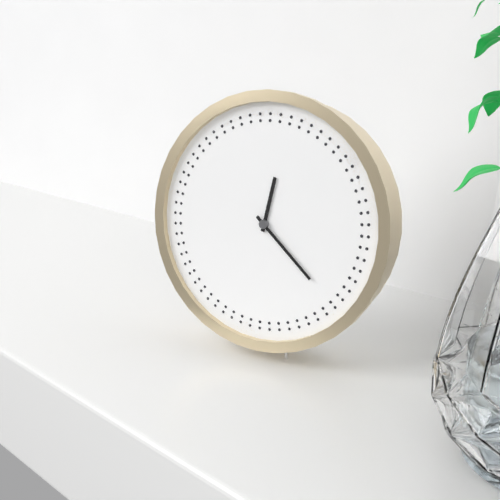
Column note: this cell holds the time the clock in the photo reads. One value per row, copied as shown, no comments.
12:22
